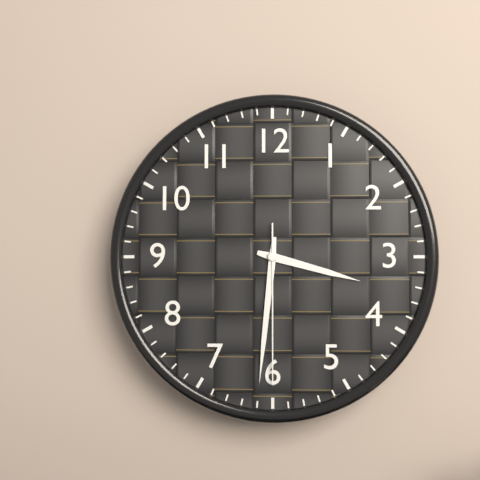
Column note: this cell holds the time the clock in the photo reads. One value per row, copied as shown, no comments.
3:31:30
